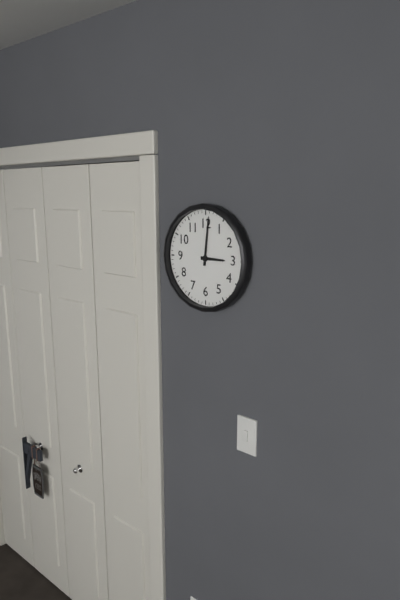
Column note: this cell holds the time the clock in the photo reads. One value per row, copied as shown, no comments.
3:01
